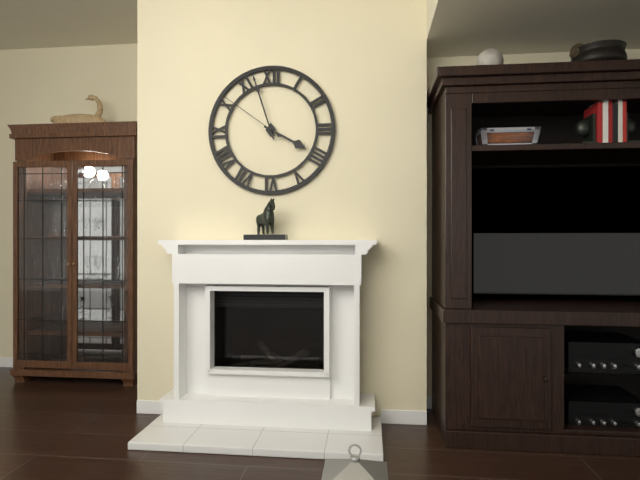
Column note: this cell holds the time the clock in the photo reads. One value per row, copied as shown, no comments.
3:57:51
